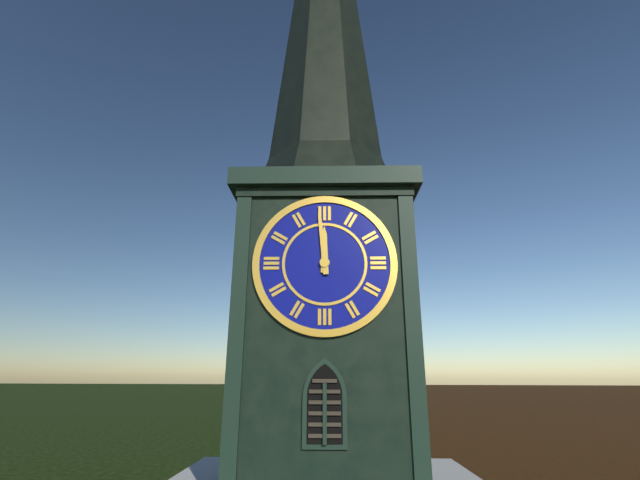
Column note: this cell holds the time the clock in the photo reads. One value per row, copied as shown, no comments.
11:59
